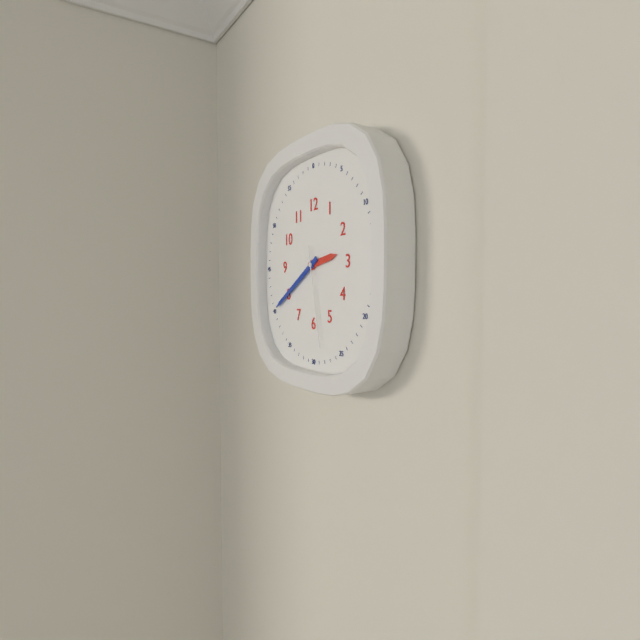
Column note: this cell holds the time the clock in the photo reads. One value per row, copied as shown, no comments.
2:40:28
